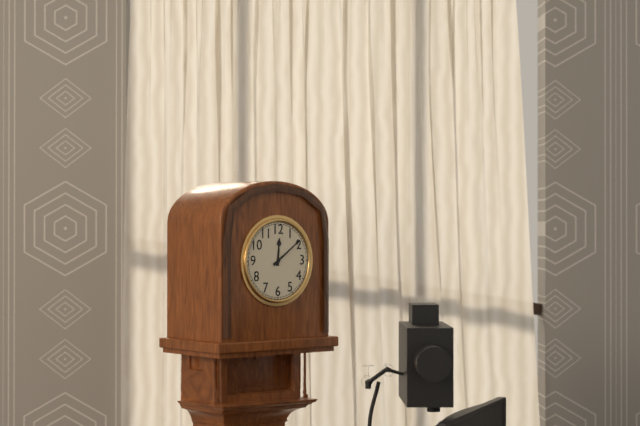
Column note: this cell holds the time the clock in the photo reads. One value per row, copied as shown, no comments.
12:09
